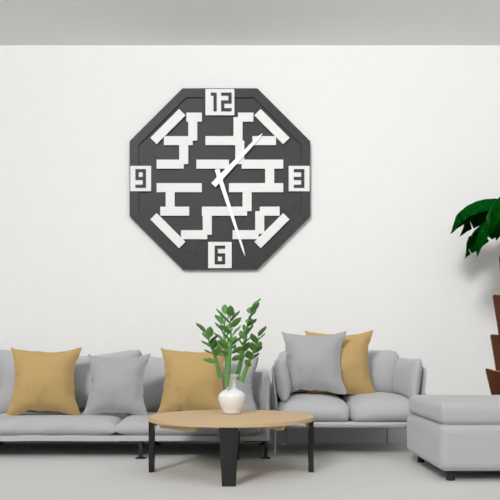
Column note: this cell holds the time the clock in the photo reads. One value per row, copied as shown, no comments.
1:27
